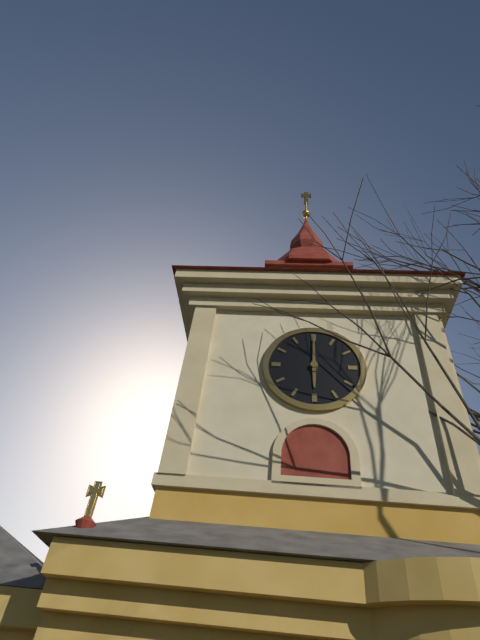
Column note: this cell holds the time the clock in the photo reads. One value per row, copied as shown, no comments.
6:00
